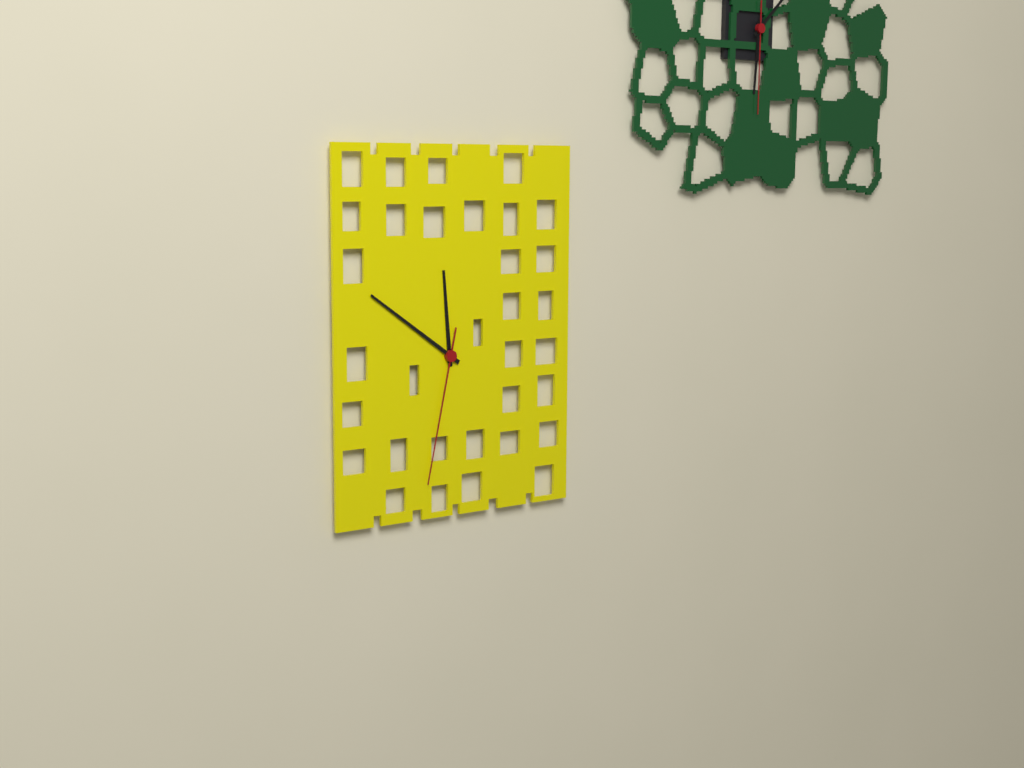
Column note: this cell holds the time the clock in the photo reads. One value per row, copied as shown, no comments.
11:51:32
